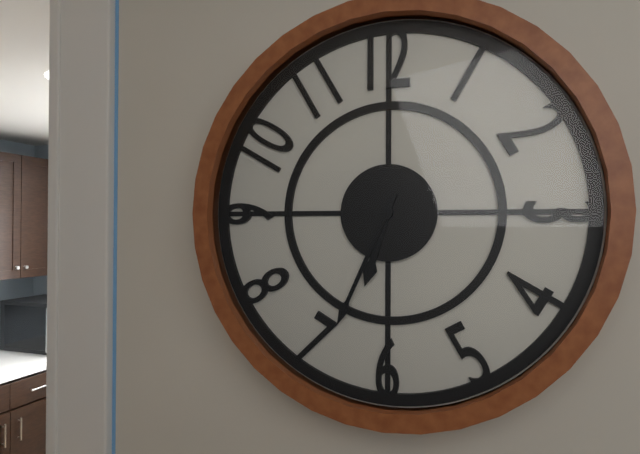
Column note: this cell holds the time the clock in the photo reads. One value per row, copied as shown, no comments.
6:34
